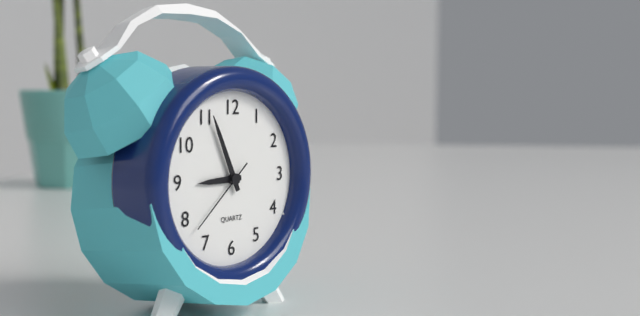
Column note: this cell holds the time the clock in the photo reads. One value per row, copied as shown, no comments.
8:56:38
